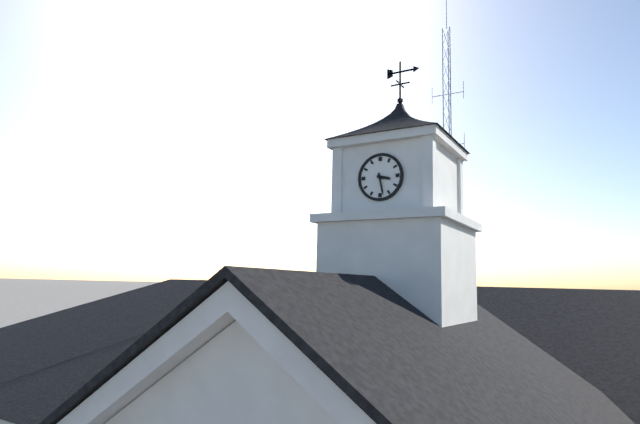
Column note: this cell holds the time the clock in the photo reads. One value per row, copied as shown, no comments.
3:28
